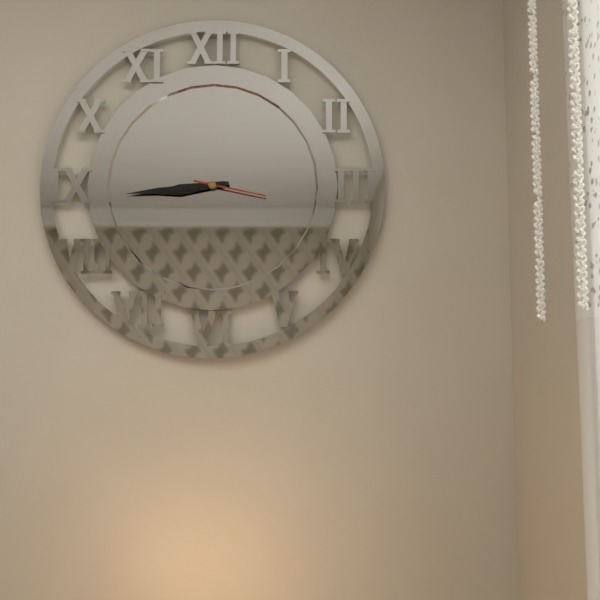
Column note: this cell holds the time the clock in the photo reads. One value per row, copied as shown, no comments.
8:44:17
